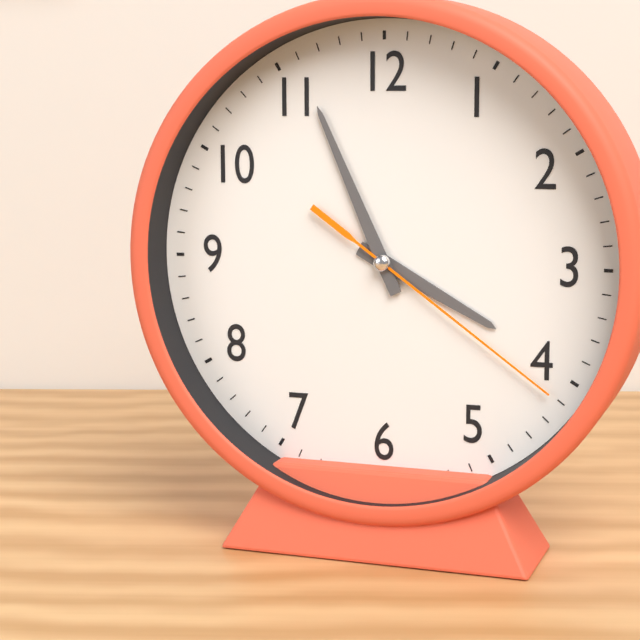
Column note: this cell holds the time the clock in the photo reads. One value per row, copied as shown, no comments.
3:56:21
